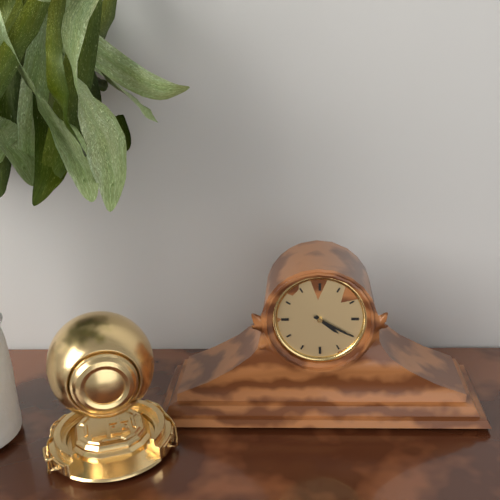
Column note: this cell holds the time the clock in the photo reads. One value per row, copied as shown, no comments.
4:20
